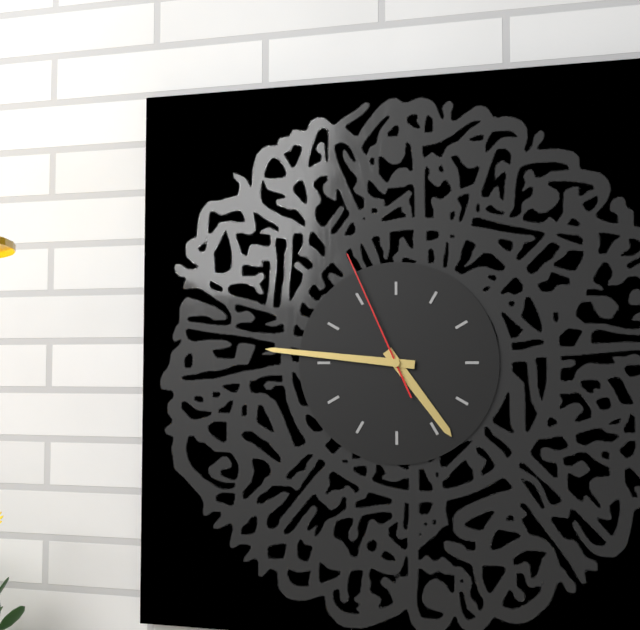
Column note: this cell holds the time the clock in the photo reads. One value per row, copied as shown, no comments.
4:46:56
